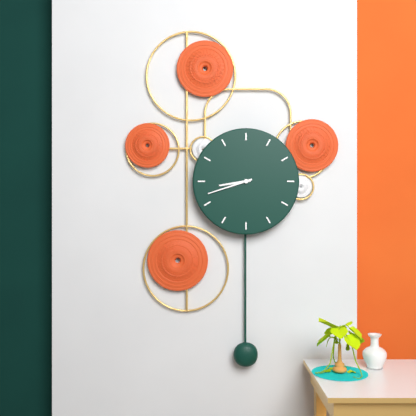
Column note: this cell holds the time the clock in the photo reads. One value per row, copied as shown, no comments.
8:42
